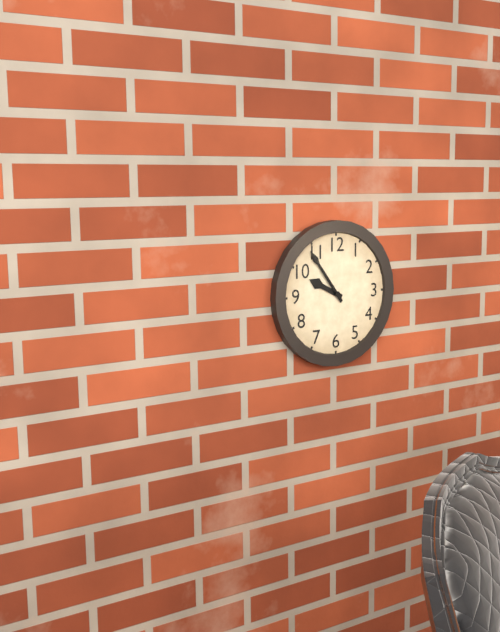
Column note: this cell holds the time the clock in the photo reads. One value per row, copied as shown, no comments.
9:54
